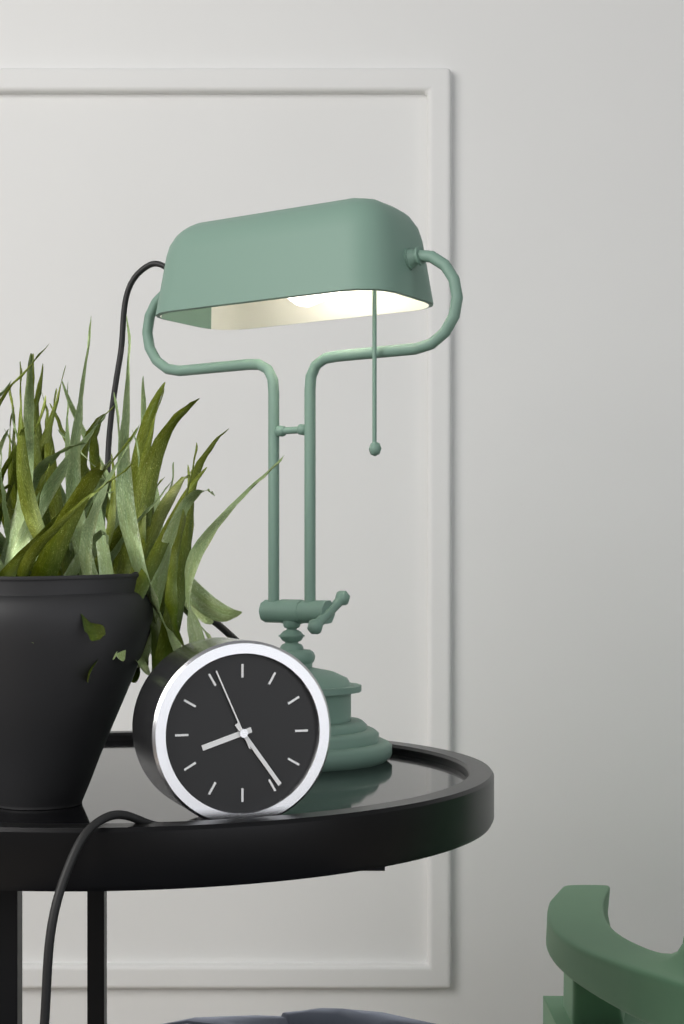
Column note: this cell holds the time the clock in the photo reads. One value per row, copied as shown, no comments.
8:24:56
